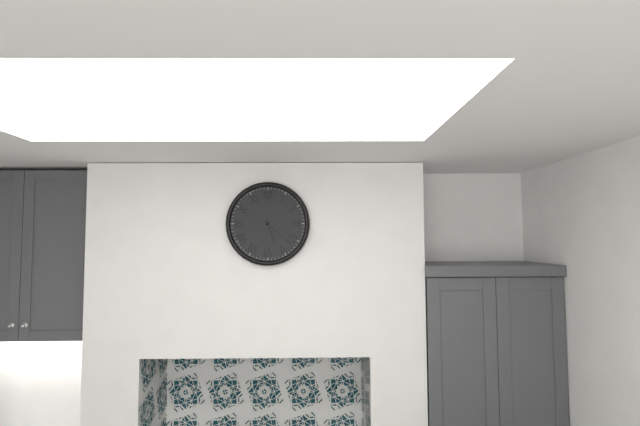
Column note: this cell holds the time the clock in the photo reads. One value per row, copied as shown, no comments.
5:22
